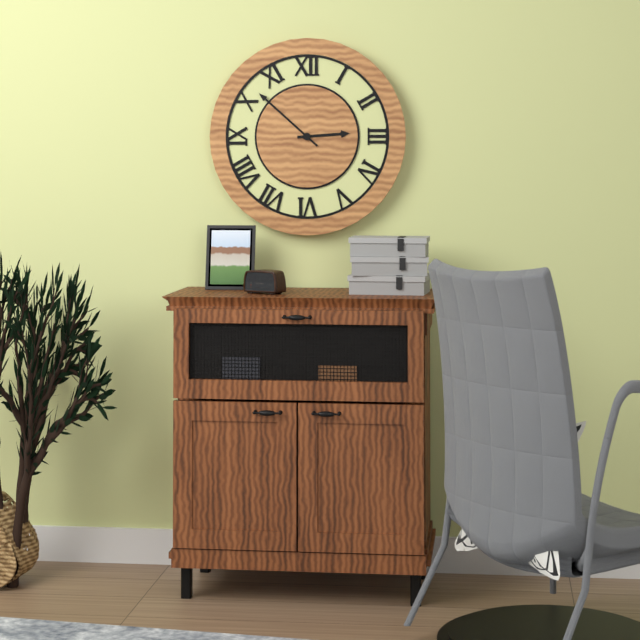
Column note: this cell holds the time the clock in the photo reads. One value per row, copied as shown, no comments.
2:52
